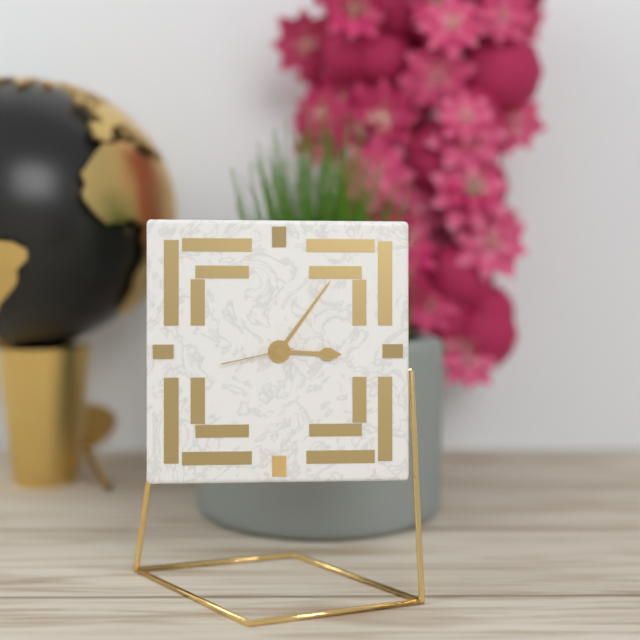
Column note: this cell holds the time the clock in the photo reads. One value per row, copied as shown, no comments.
3:06:43
